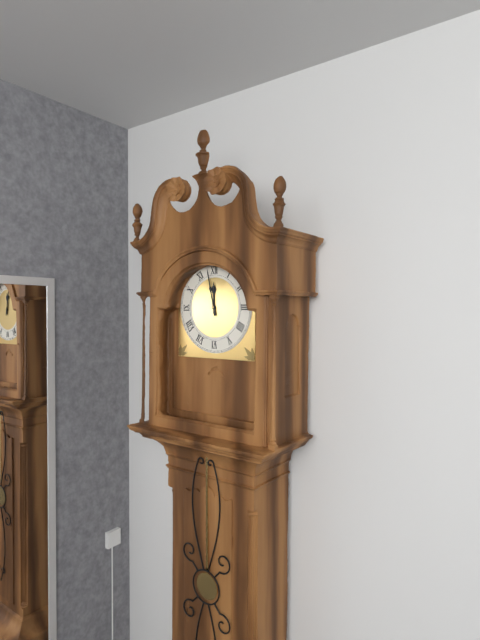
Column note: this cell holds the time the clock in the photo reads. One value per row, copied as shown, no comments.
11:58
